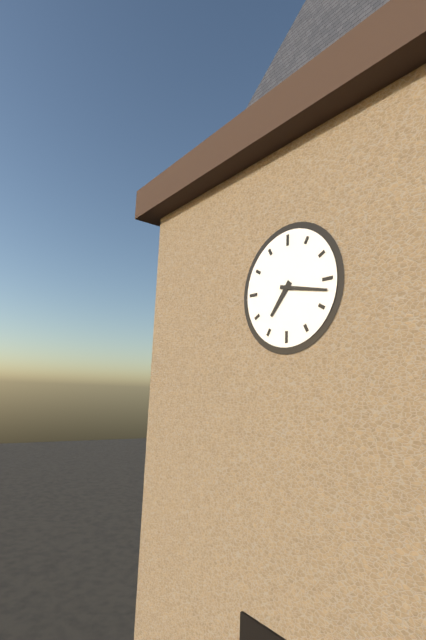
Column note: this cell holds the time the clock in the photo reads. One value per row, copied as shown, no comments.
7:17
